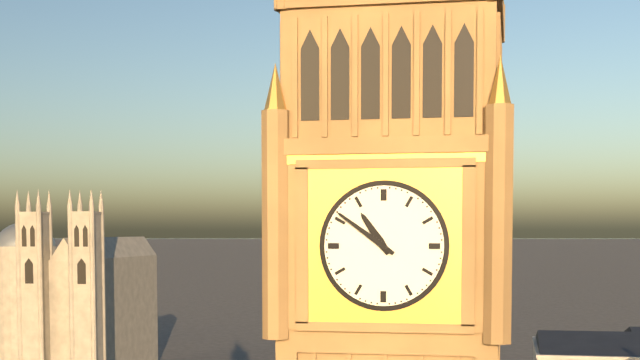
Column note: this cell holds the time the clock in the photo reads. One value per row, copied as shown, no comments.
10:51
